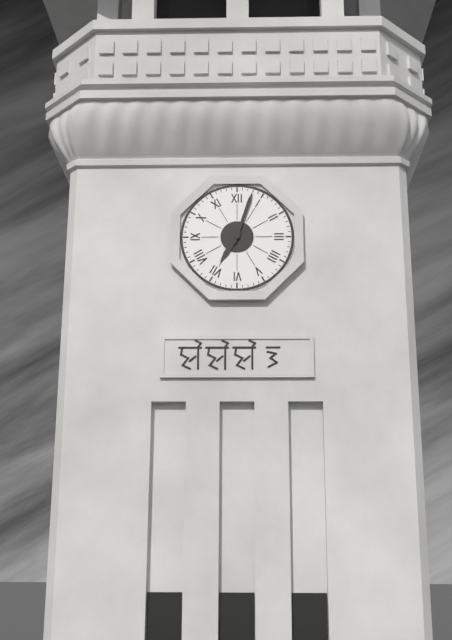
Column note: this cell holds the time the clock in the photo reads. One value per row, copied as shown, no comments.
7:03
